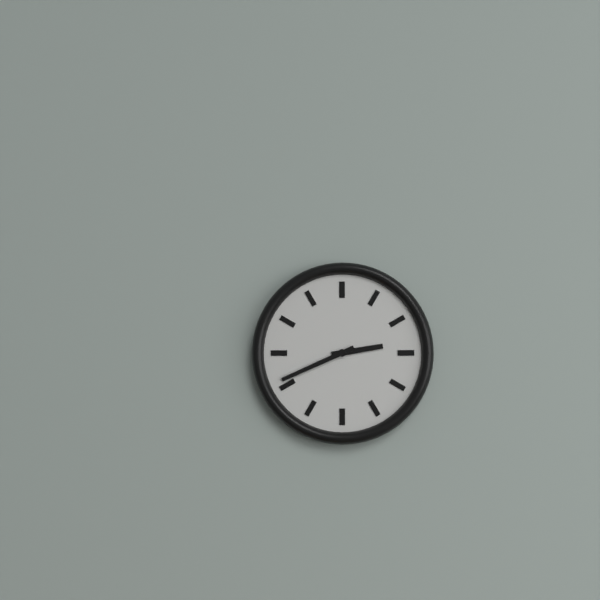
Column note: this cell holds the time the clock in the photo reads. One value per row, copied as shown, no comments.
2:41
